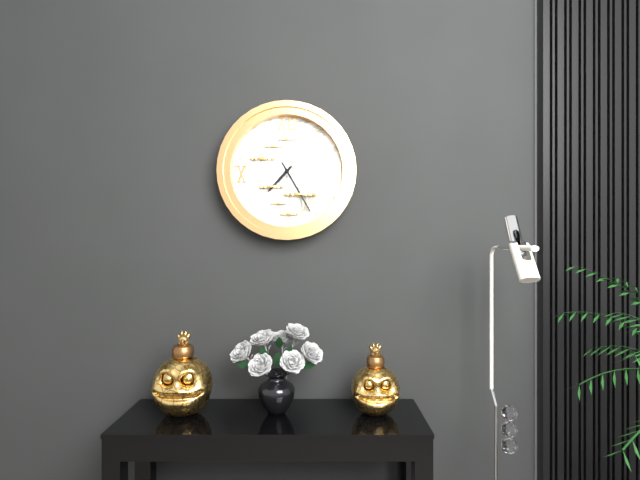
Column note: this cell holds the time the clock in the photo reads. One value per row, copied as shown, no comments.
7:25
